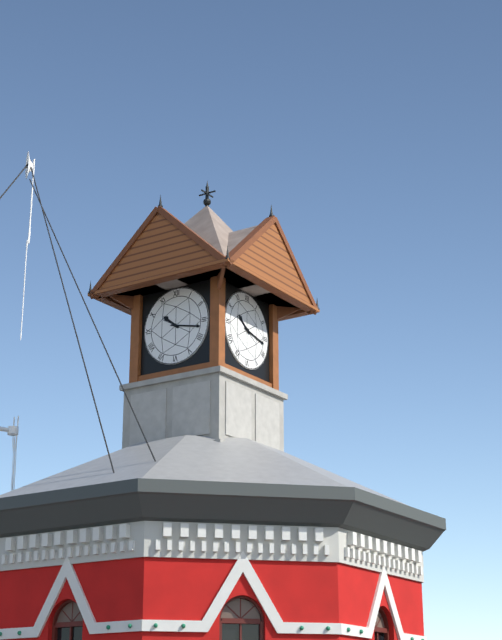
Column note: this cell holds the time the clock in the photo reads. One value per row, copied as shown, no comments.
10:17
